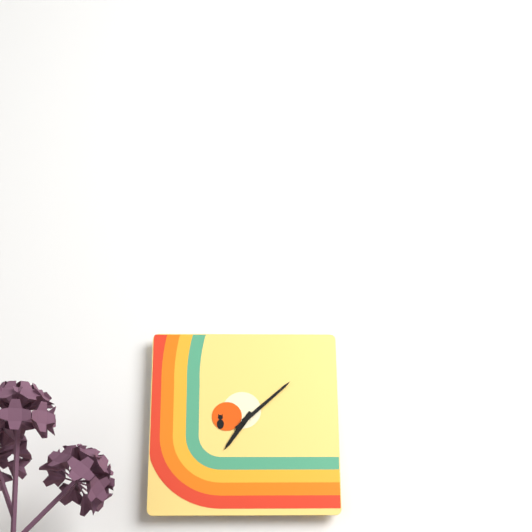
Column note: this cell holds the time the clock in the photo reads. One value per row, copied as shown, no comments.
7:08
